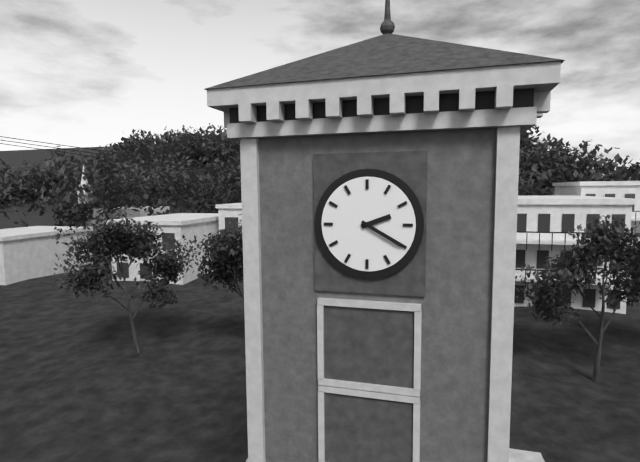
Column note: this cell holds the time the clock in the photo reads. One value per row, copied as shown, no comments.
2:20
